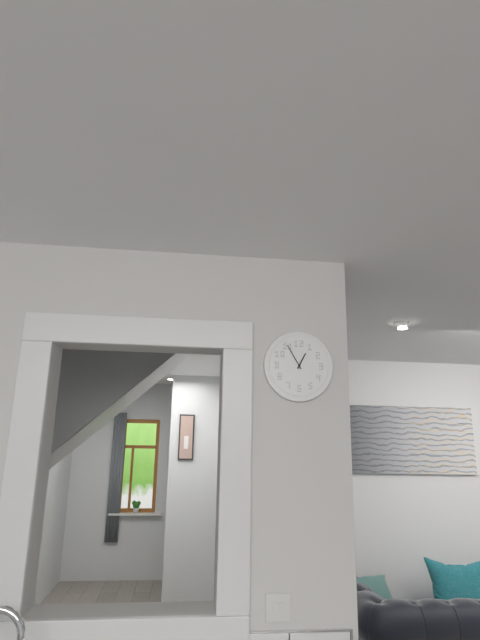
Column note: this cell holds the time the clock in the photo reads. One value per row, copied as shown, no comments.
12:55
